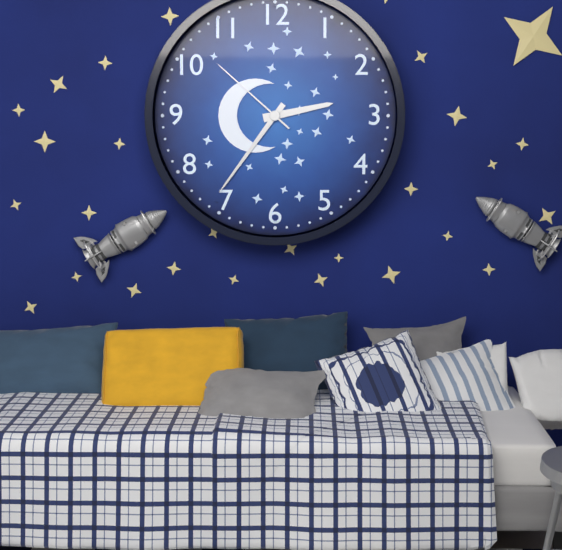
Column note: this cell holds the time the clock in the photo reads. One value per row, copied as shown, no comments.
2:36:52
